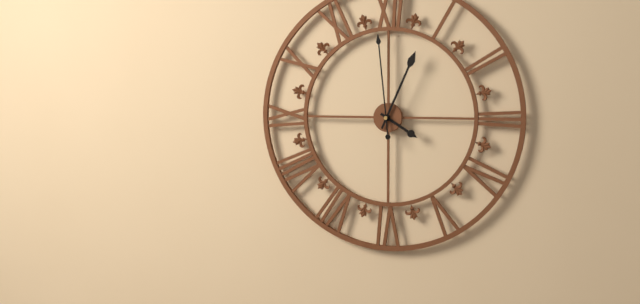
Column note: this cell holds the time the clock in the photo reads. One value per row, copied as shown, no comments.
4:04:59
